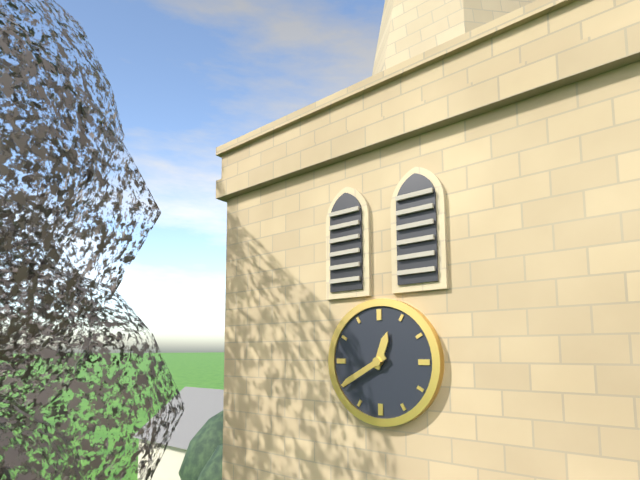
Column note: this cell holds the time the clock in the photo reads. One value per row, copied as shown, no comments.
12:40
